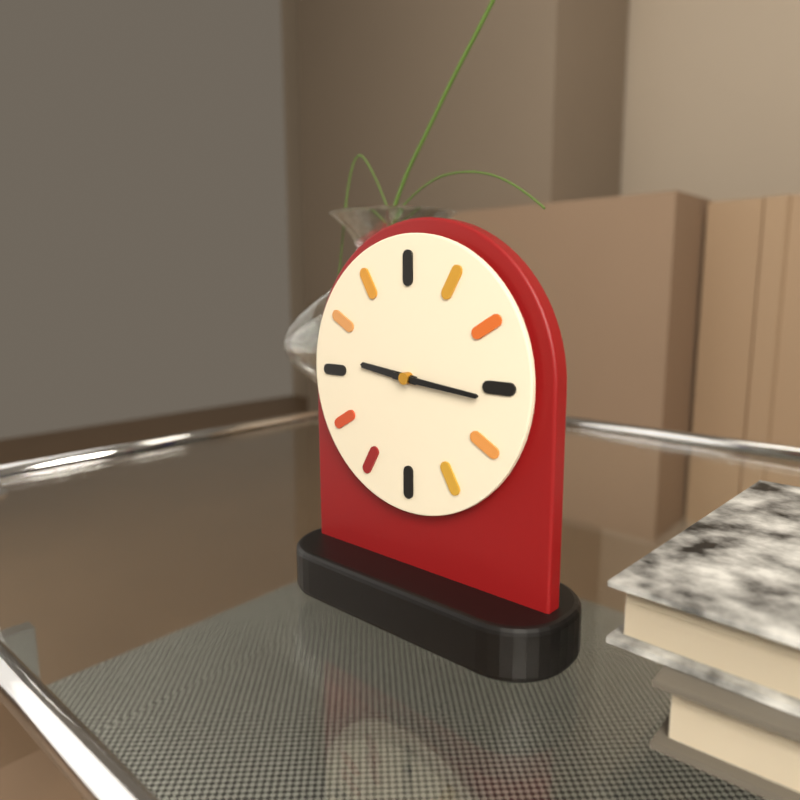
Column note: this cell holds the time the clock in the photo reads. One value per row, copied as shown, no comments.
9:16
